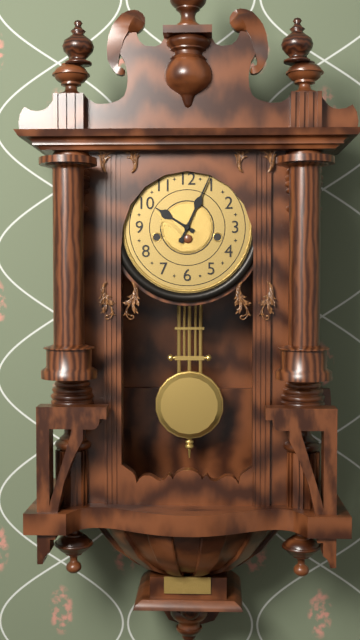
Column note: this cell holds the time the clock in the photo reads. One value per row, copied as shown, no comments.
10:04
